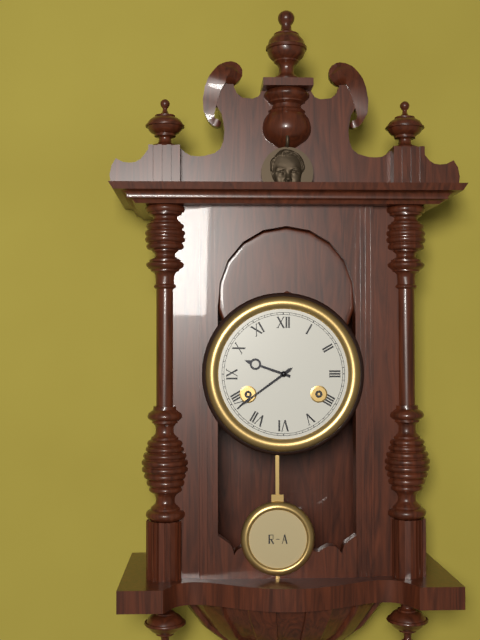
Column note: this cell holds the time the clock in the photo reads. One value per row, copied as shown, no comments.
9:39
